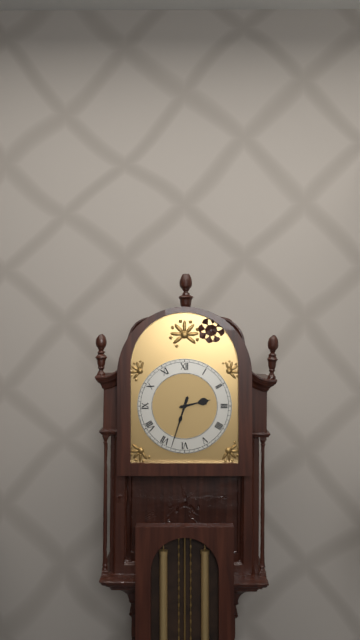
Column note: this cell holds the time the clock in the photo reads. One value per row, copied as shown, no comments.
2:33
